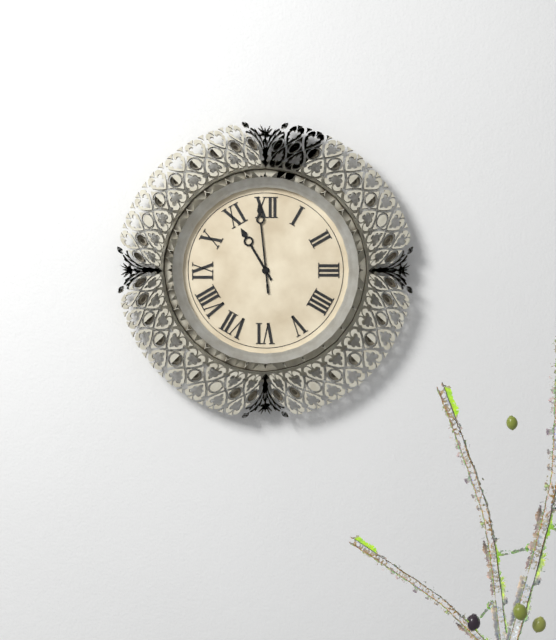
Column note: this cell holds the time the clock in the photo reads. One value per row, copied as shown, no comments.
10:59
